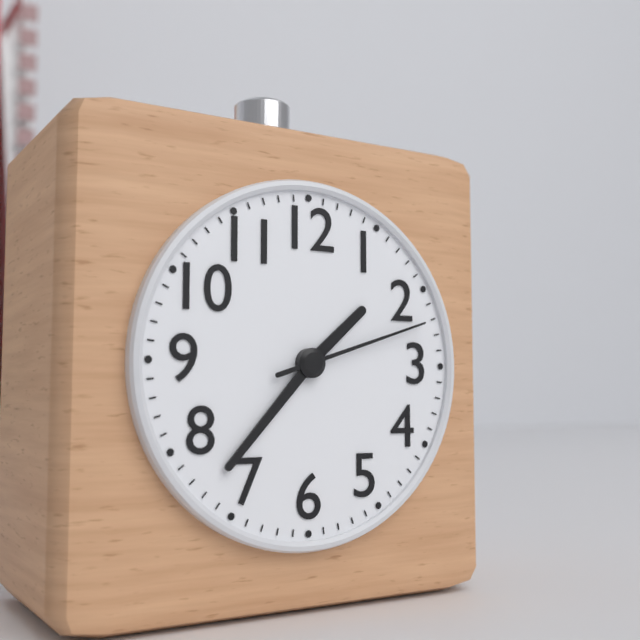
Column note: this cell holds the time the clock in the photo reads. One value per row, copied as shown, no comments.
1:37:12
